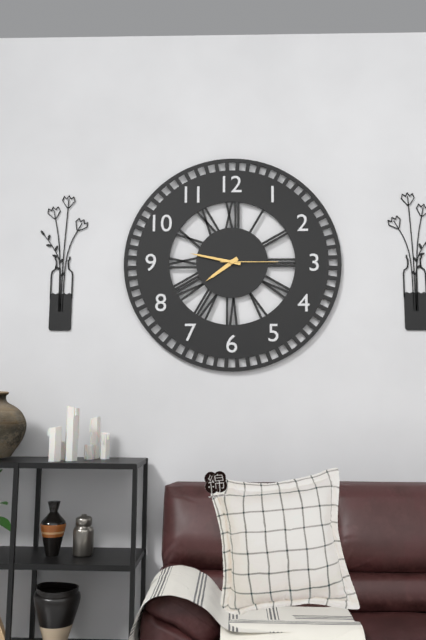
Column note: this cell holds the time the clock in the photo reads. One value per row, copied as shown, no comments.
7:47:15
